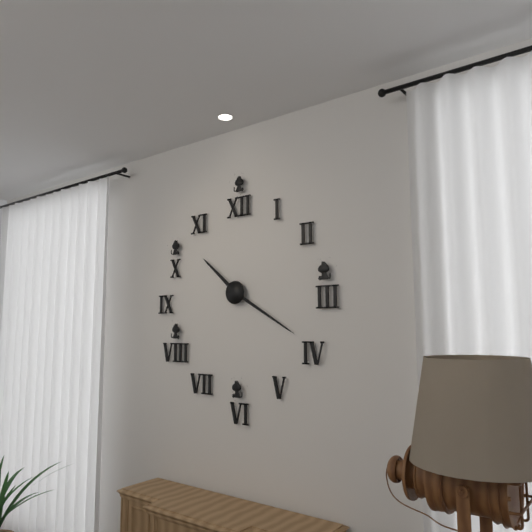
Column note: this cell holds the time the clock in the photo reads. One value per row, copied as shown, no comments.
10:20
